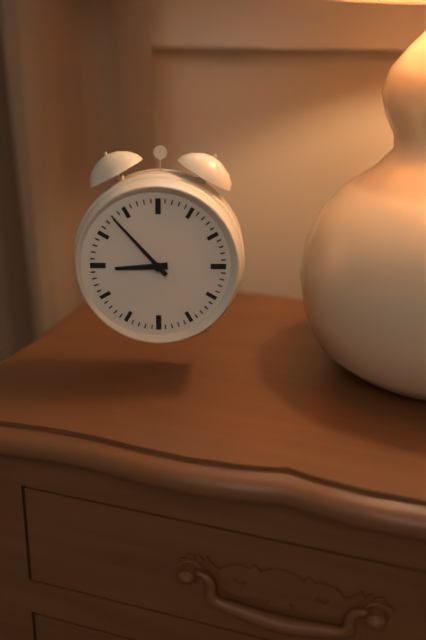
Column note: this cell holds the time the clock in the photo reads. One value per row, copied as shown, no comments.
8:53
